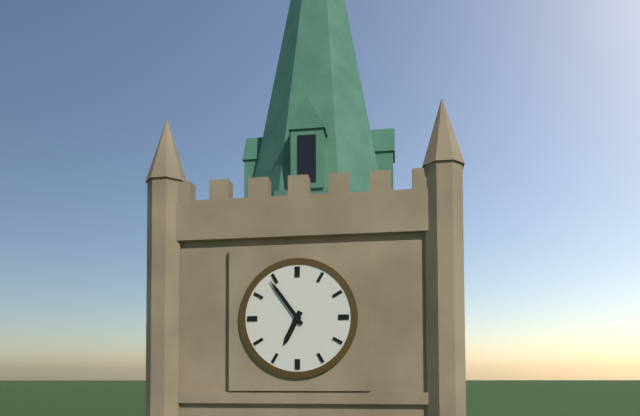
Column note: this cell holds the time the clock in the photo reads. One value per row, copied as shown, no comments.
6:54
